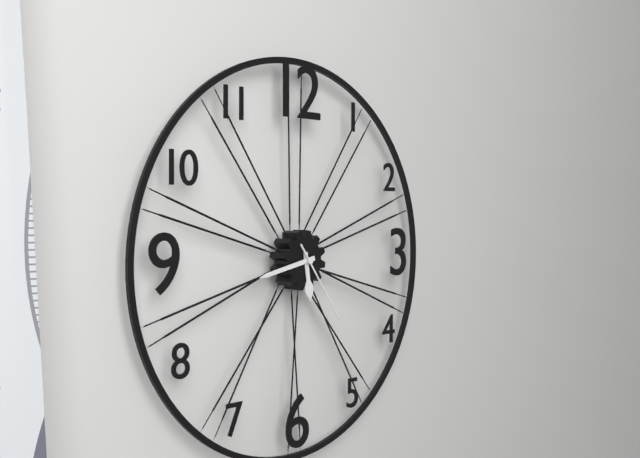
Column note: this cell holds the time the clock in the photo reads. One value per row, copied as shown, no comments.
5:43:24
